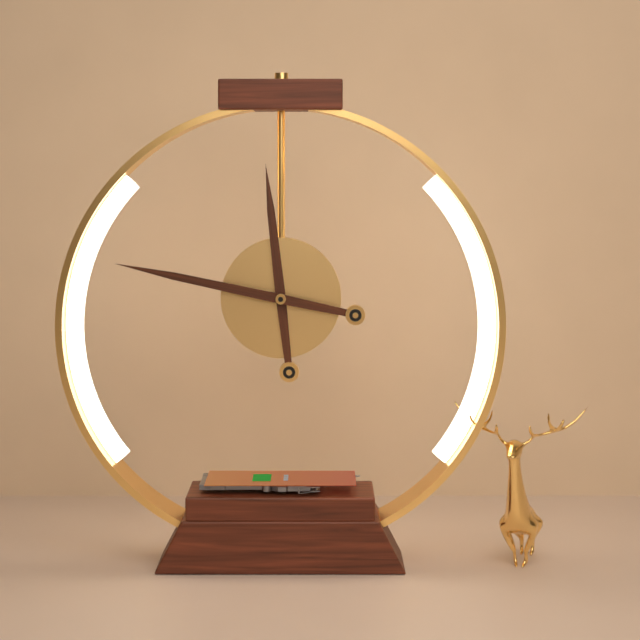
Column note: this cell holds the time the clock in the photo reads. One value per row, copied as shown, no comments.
11:47
